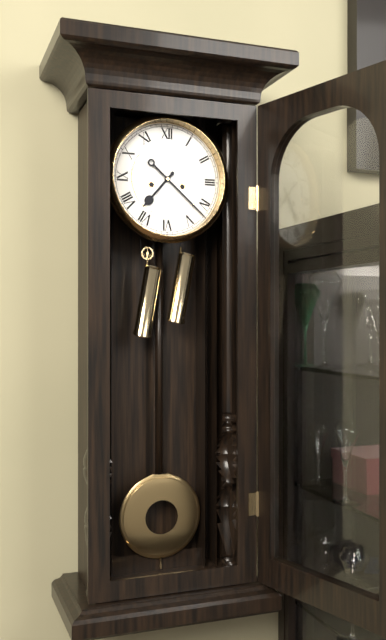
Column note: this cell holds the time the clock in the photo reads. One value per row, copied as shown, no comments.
7:22
